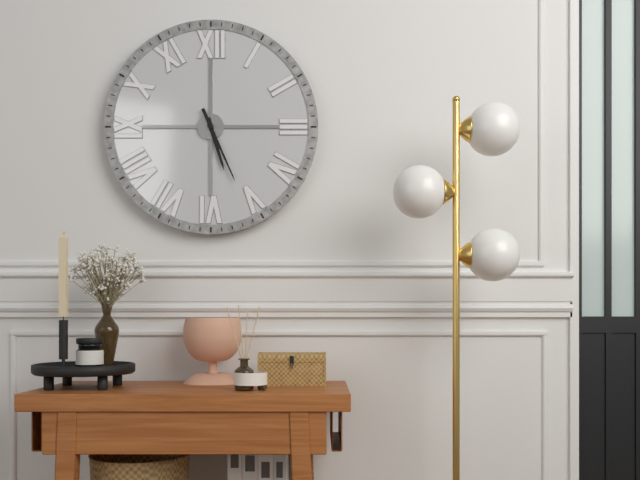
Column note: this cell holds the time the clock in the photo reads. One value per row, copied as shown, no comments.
5:26
